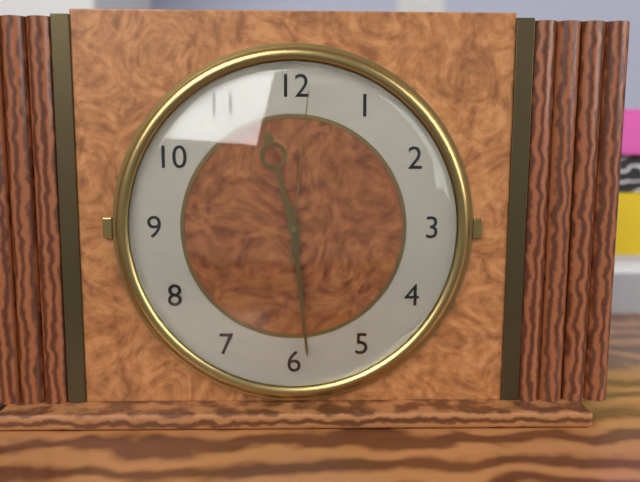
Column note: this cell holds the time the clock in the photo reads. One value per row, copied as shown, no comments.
11:29:01
